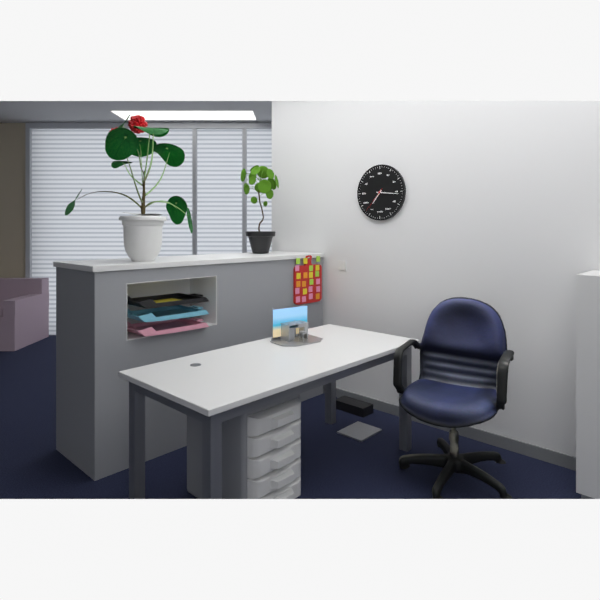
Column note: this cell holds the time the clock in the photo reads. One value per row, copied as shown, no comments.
7:16
